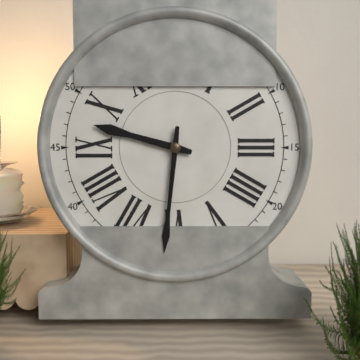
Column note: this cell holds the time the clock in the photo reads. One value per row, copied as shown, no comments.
9:31
